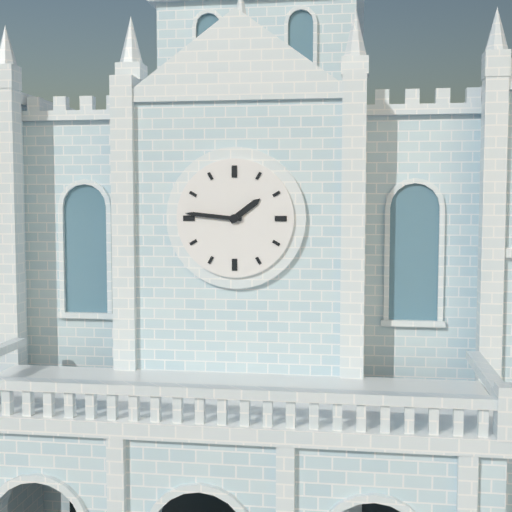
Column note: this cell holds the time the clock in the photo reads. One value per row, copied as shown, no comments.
1:46
